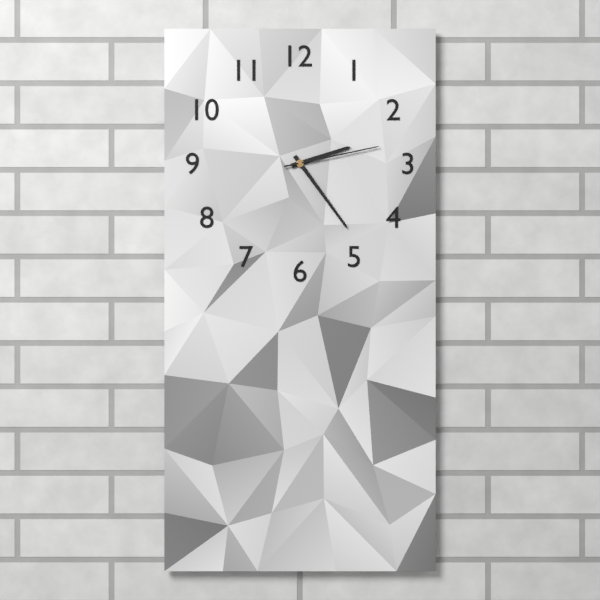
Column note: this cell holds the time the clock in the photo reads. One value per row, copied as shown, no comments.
2:24:13
